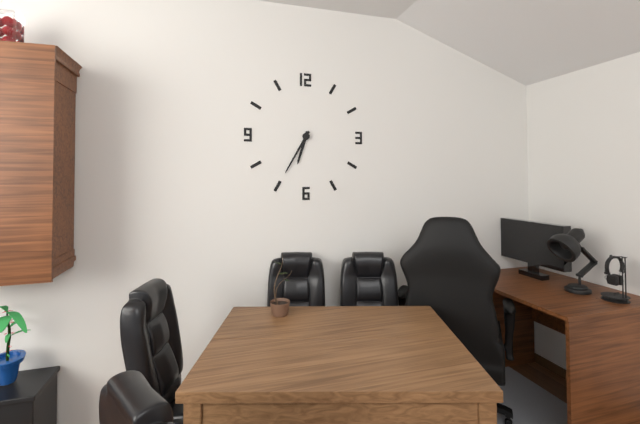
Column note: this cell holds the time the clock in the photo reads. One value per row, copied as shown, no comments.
6:35
